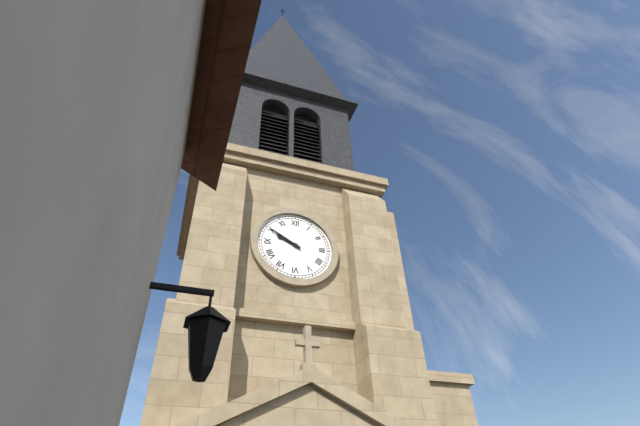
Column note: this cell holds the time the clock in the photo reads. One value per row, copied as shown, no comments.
9:50
